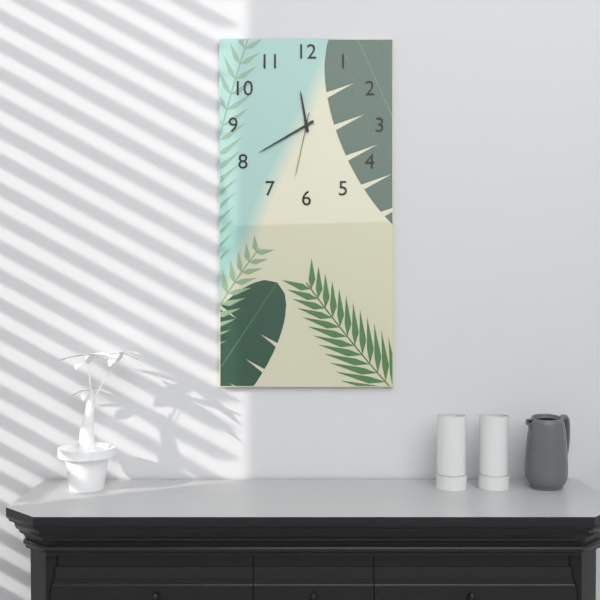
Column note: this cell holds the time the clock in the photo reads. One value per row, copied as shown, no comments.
11:40:32
